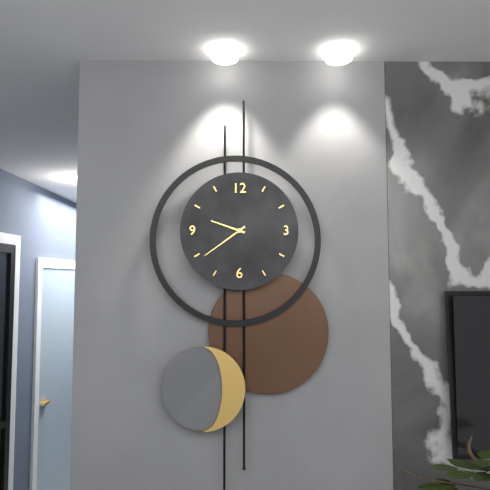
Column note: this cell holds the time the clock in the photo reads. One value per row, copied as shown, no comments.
9:39
